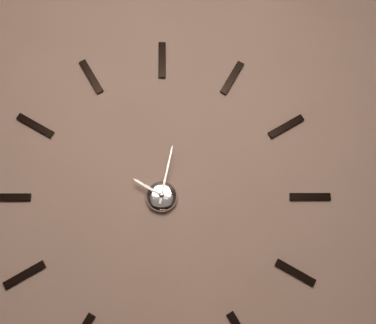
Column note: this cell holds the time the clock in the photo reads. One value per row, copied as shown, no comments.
10:02
